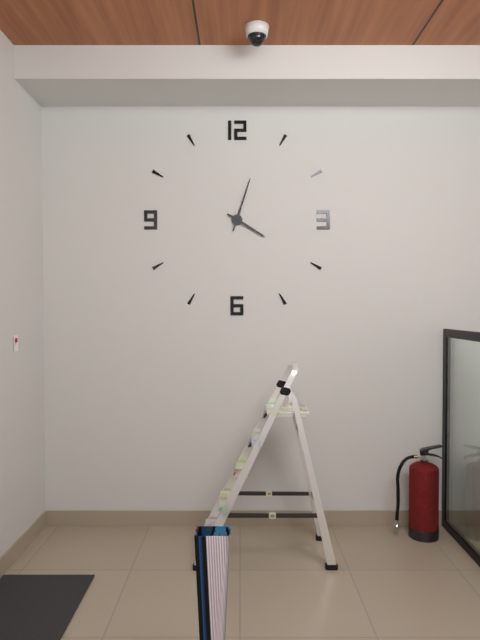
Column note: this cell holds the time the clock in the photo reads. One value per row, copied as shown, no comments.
4:03
